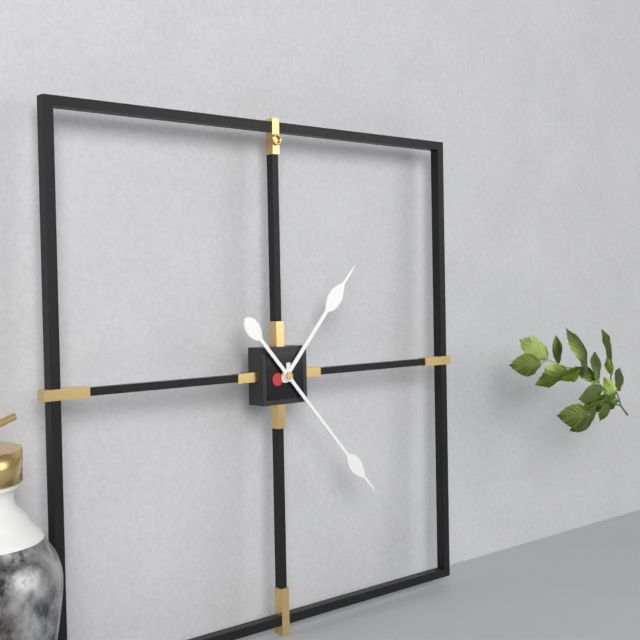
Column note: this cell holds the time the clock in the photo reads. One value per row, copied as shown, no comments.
1:23
